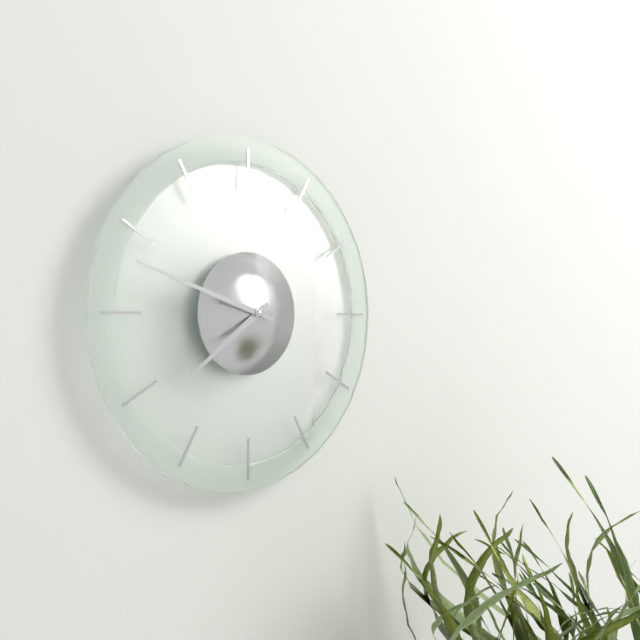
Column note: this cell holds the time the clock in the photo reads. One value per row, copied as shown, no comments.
7:48
